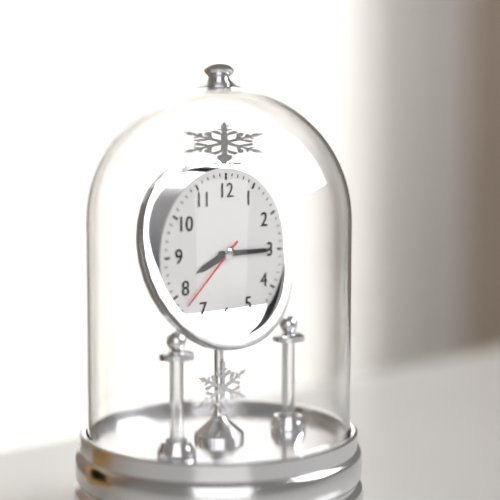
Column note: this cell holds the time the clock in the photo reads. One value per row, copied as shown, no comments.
8:15:38
